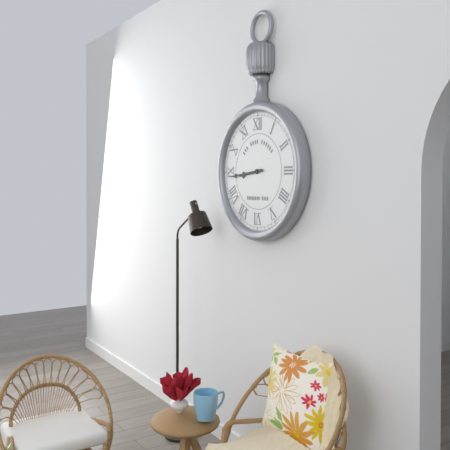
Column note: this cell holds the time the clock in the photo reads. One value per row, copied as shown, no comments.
8:44
